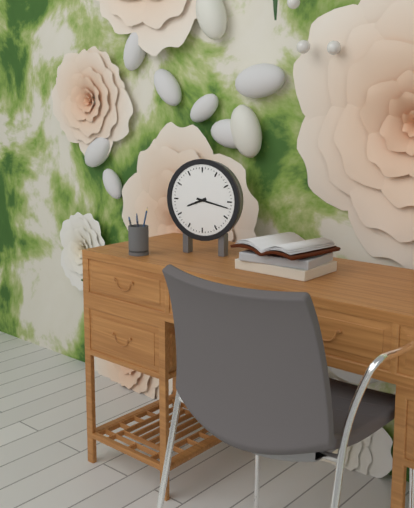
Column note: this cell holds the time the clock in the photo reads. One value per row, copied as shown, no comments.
8:17
